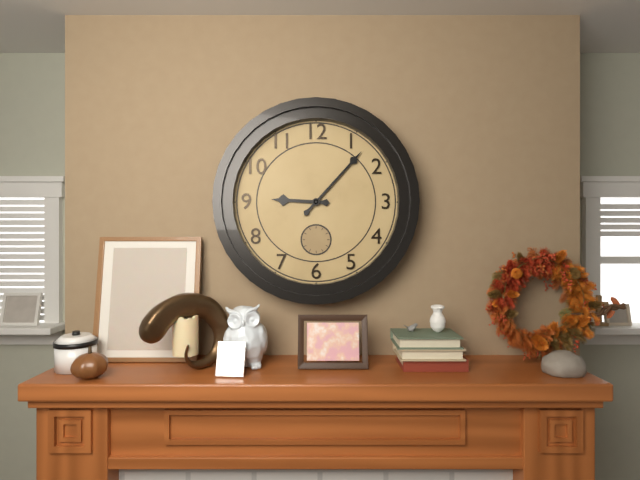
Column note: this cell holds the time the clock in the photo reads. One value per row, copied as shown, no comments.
9:07
